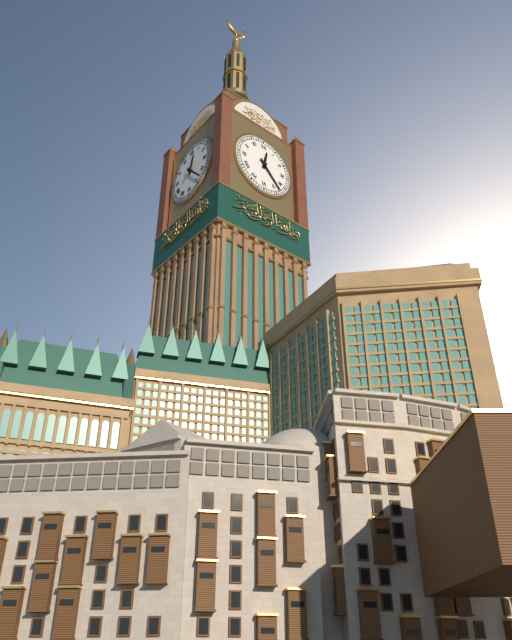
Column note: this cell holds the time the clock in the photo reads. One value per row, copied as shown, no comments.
12:23
